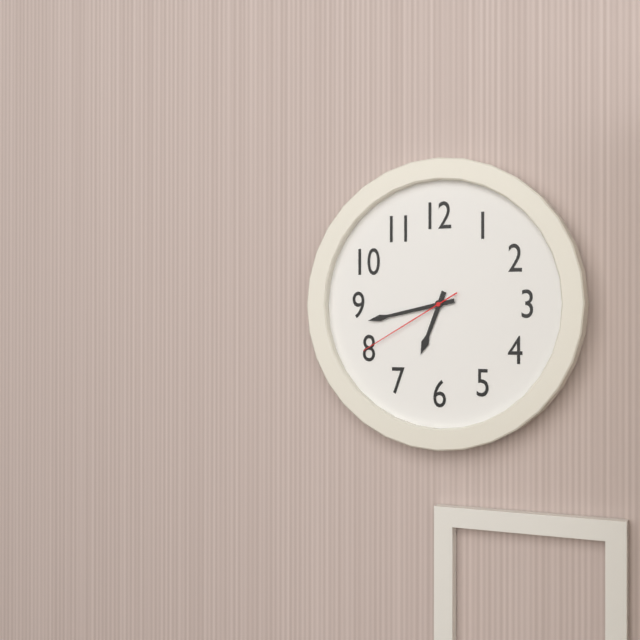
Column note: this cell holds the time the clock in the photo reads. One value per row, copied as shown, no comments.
6:43:40
